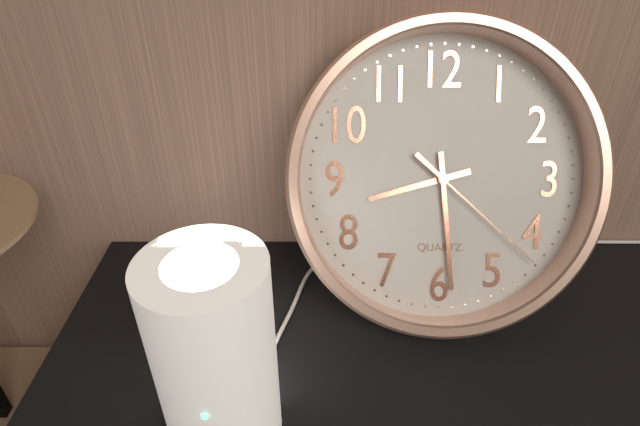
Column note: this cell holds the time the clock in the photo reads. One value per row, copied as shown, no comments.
8:29:22
